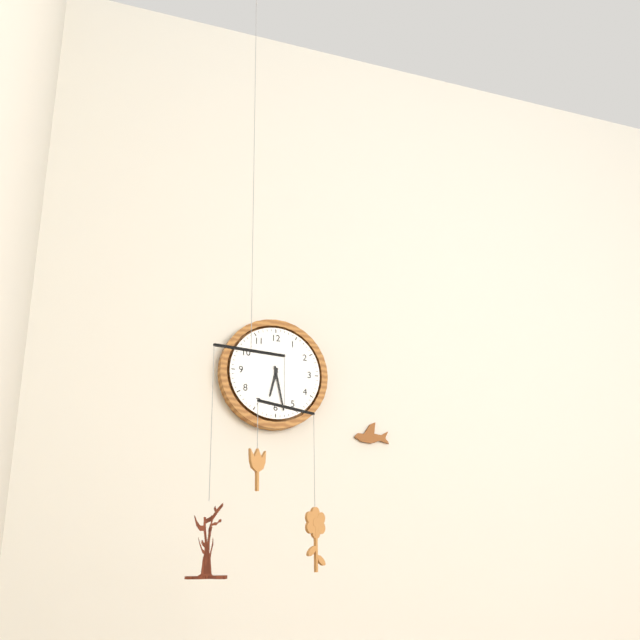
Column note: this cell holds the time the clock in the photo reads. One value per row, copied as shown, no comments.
6:28
